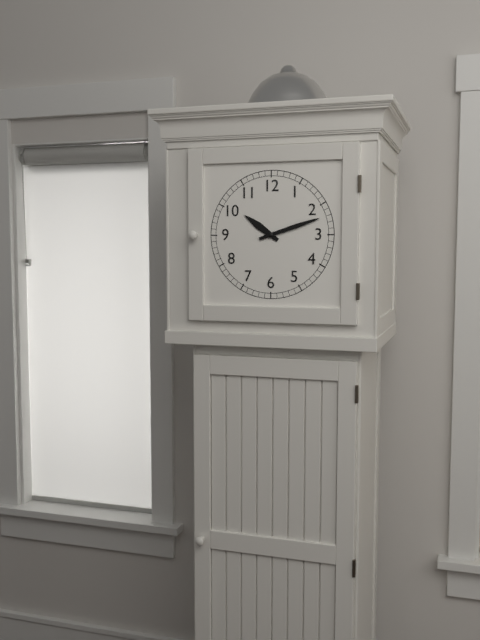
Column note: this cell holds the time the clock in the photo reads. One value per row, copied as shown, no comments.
10:12
